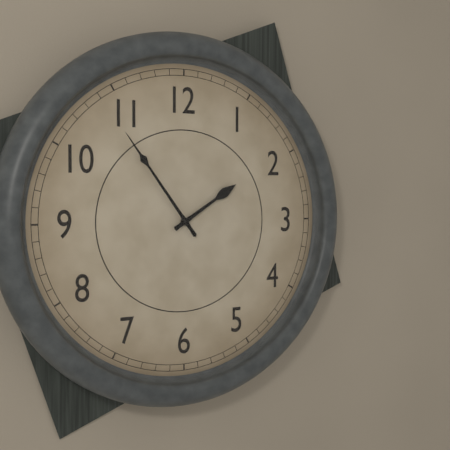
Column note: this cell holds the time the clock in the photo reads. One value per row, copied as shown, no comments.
1:54
